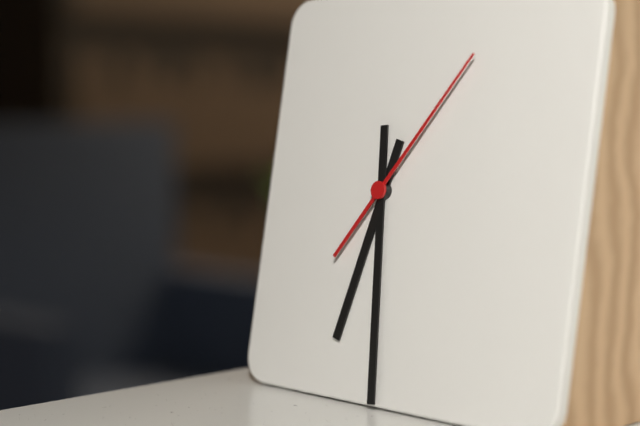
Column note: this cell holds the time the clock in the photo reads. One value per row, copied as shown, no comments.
6:29:06
